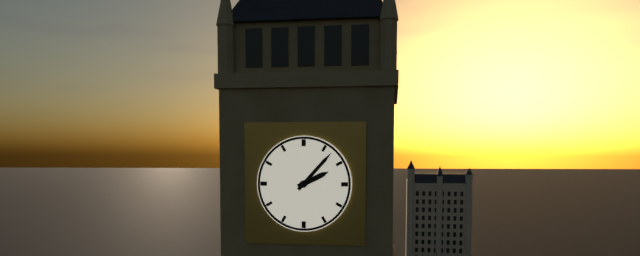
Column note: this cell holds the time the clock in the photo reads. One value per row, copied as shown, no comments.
2:07
